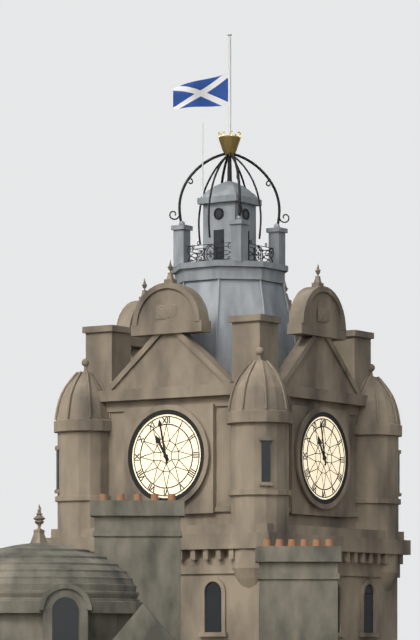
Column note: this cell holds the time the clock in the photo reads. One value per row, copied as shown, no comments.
10:58
